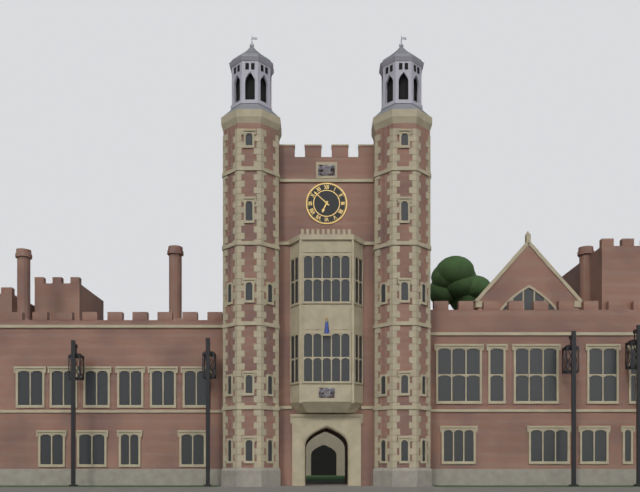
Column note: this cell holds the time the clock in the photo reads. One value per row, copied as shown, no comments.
6:52
